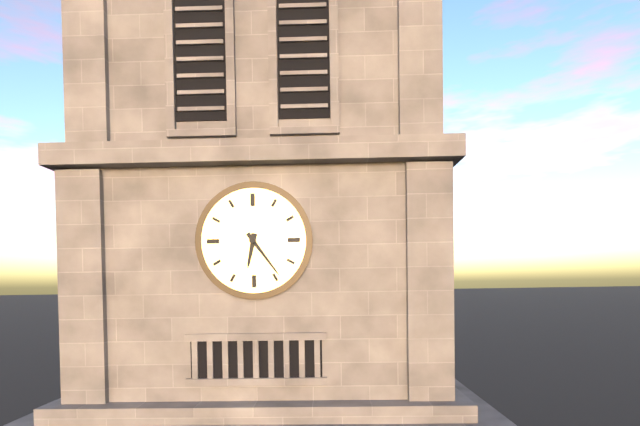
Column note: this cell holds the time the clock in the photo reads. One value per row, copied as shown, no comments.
6:24
